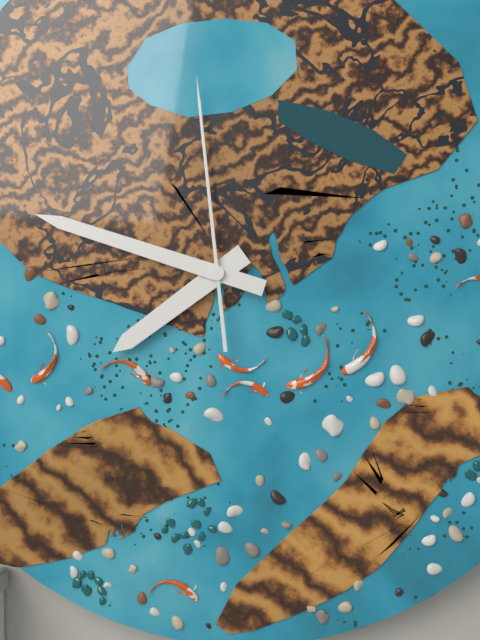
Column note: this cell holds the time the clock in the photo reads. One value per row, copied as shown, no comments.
7:48:59
